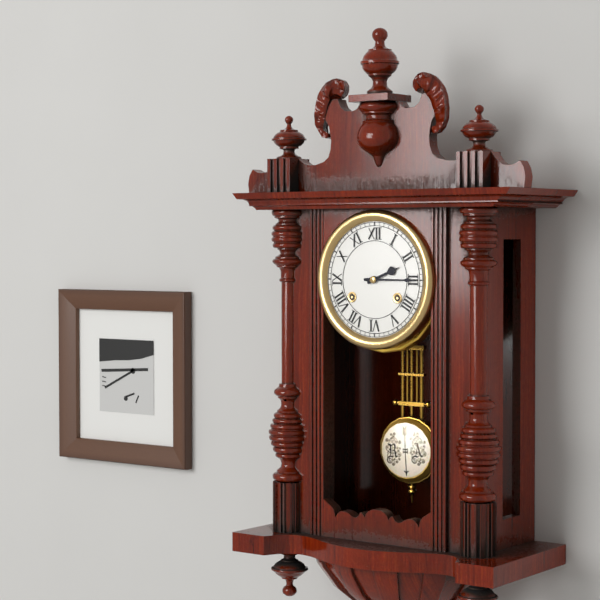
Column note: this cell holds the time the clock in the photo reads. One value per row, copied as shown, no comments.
2:15
